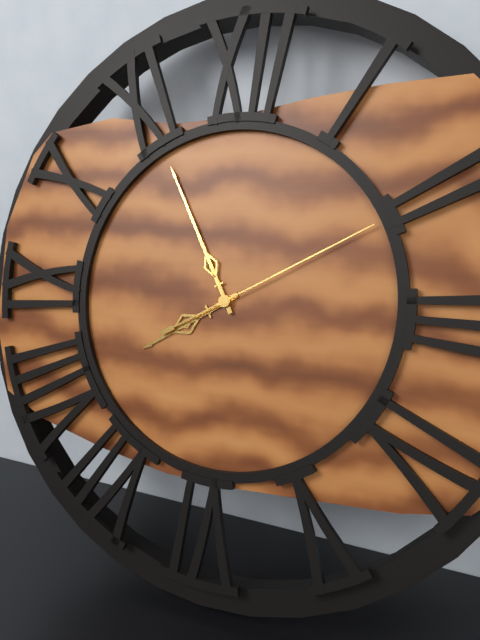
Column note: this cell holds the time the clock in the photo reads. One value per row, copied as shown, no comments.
7:55:10
